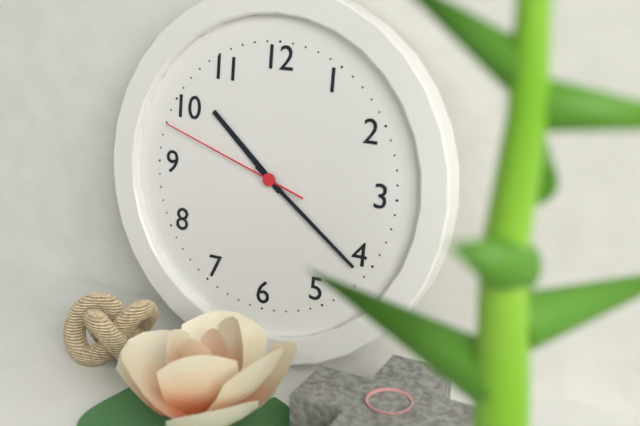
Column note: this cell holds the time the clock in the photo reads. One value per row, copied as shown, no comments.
10:21:48
